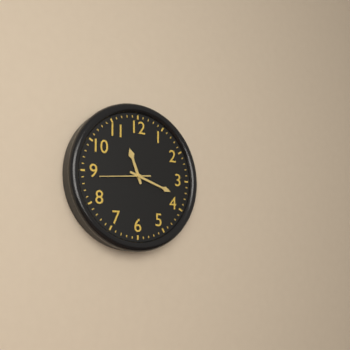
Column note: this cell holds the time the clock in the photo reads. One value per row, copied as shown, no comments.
11:18
